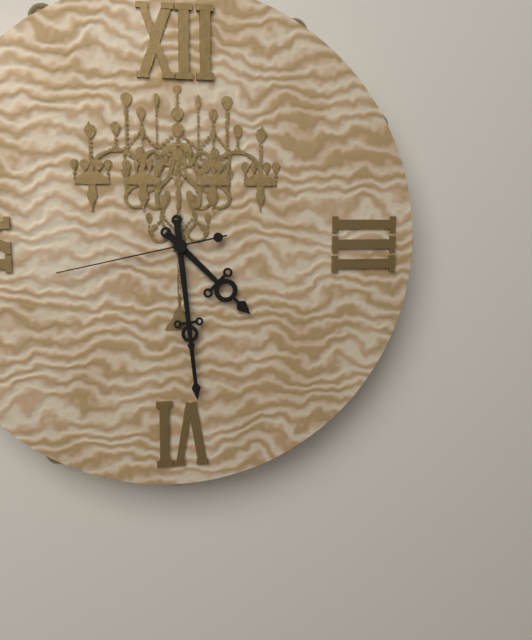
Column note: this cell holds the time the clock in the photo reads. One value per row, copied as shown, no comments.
4:29:43
